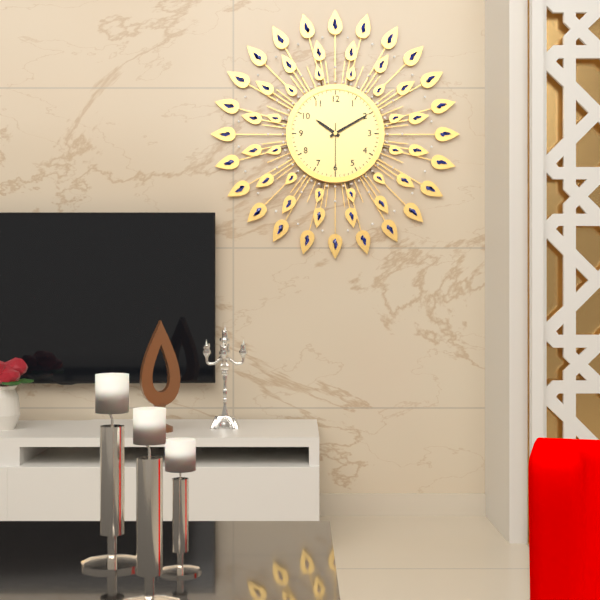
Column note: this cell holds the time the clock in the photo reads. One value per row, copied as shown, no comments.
10:10
